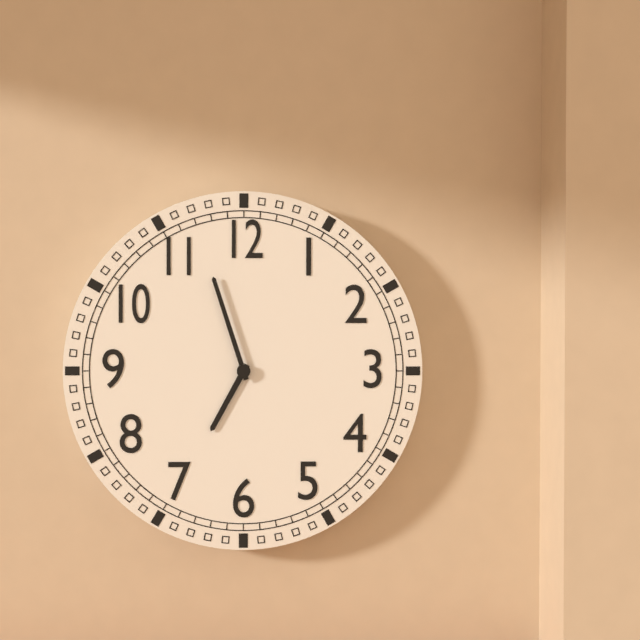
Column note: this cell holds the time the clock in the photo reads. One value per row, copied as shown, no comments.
6:57
